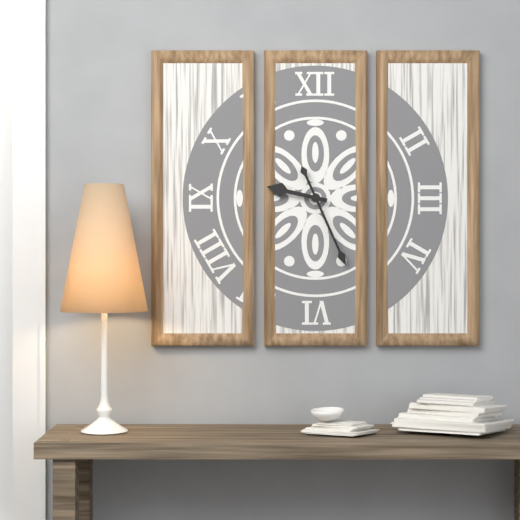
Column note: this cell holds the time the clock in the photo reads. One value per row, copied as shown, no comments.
9:26
